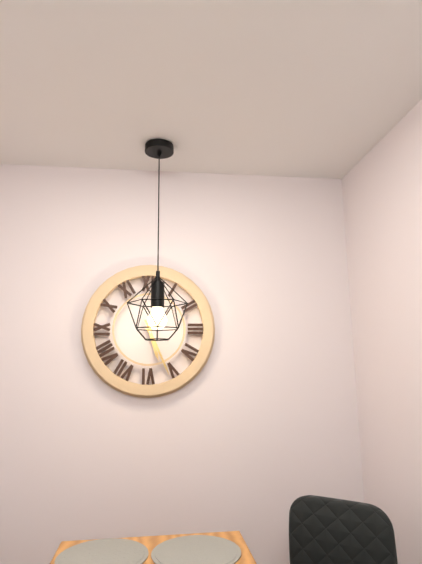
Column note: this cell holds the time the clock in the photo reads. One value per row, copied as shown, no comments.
5:26
